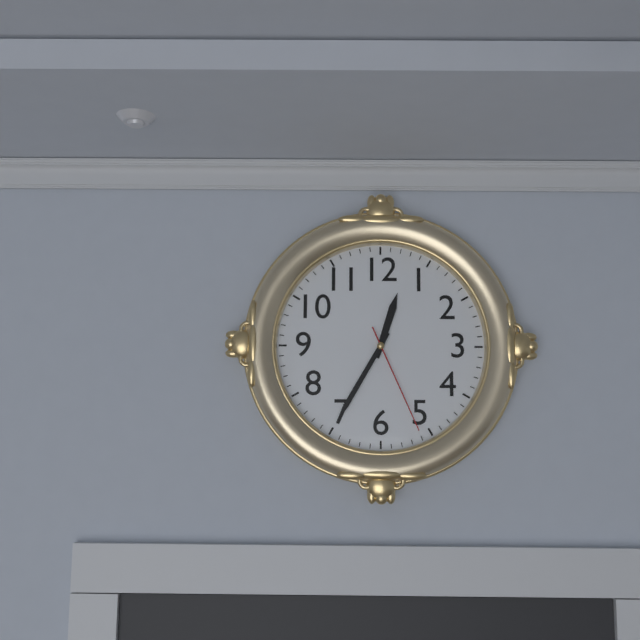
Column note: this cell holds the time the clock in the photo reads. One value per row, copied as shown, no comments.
12:35:26
